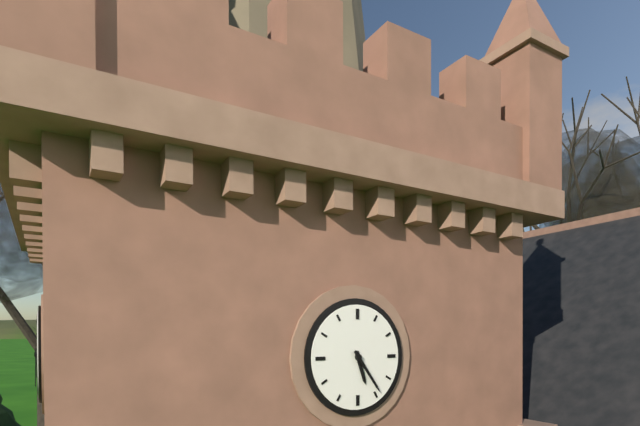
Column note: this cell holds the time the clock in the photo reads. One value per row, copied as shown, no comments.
5:24
